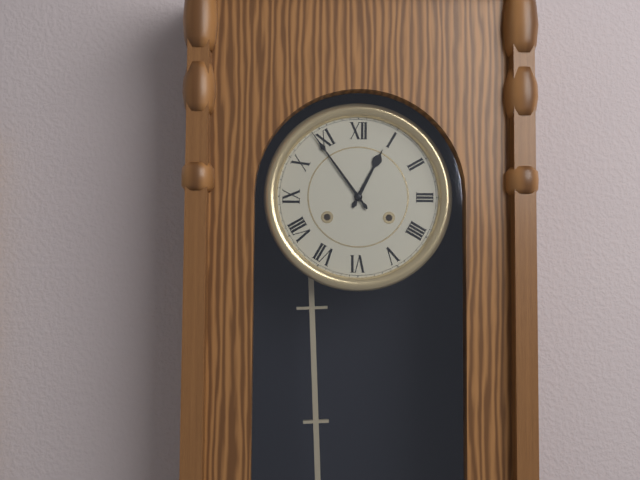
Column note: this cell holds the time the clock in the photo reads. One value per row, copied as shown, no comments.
12:54
